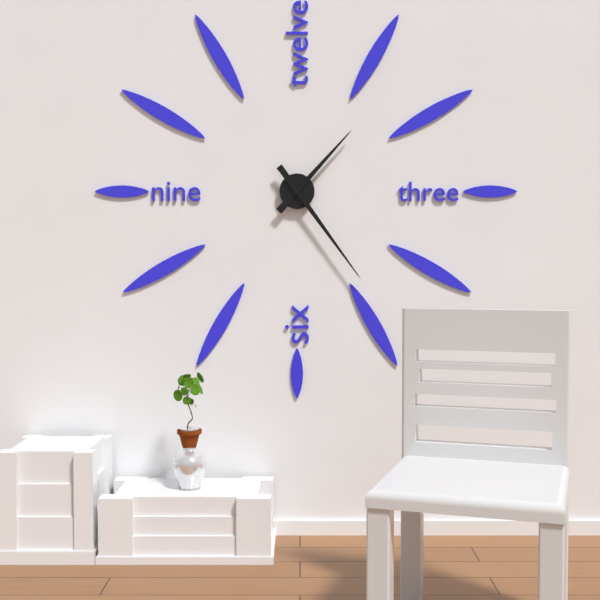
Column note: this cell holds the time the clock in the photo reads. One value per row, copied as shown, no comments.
1:24
